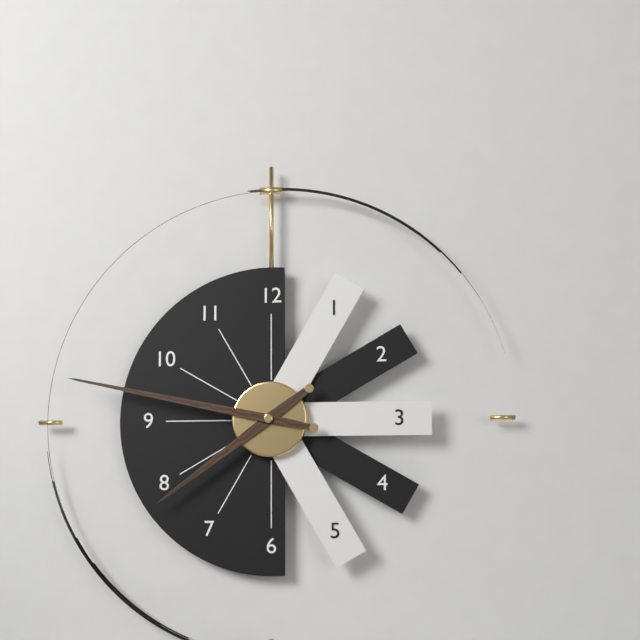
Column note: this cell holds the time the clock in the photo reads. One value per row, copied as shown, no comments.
7:47
